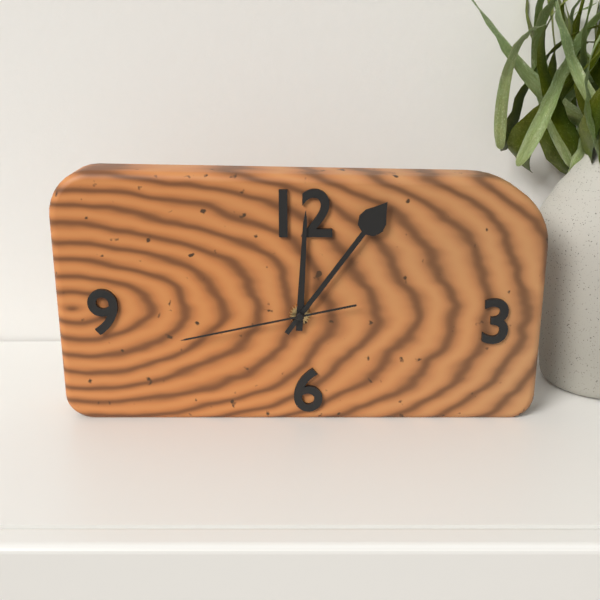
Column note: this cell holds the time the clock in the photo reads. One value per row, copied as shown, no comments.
12:06:43
